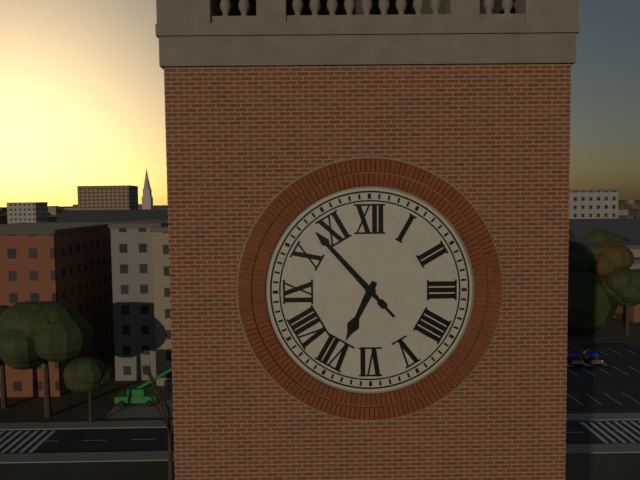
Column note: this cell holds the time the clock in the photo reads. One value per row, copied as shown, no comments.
6:53
